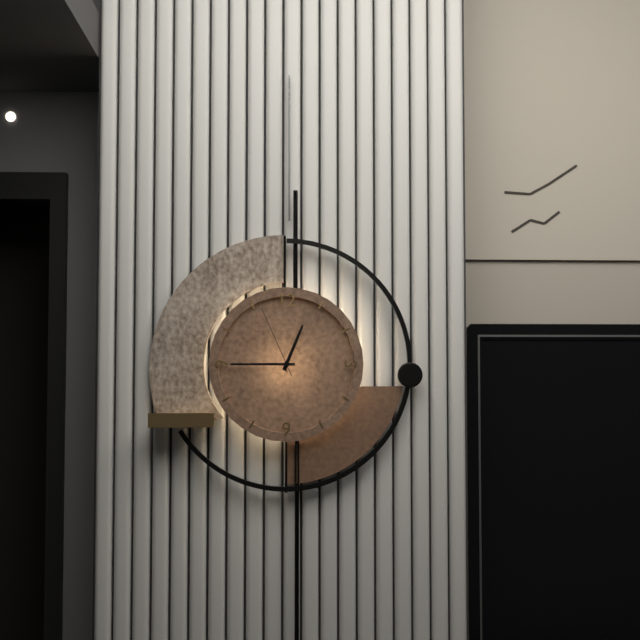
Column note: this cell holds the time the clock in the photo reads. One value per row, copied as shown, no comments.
12:45:56
